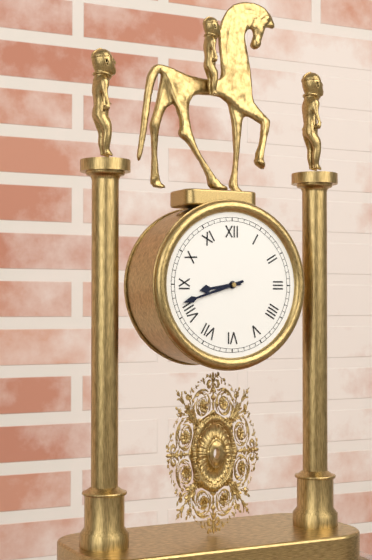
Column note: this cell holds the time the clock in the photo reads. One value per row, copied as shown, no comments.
8:42
